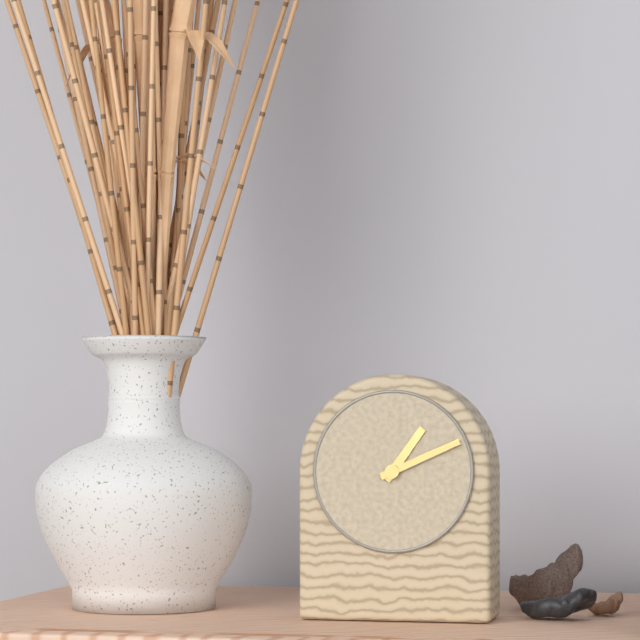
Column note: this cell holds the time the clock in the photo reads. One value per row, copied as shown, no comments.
1:11
